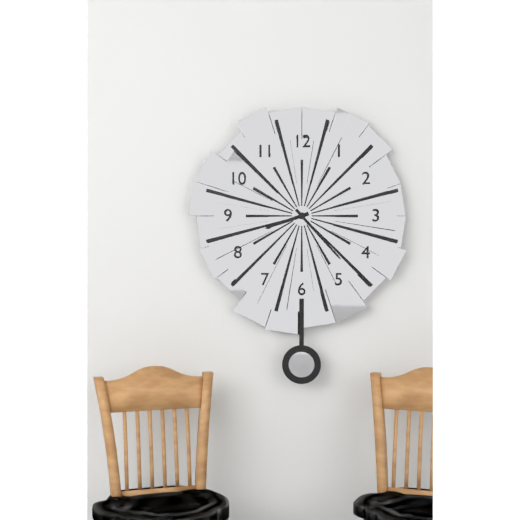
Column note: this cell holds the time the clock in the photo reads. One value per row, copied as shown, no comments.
8:23
